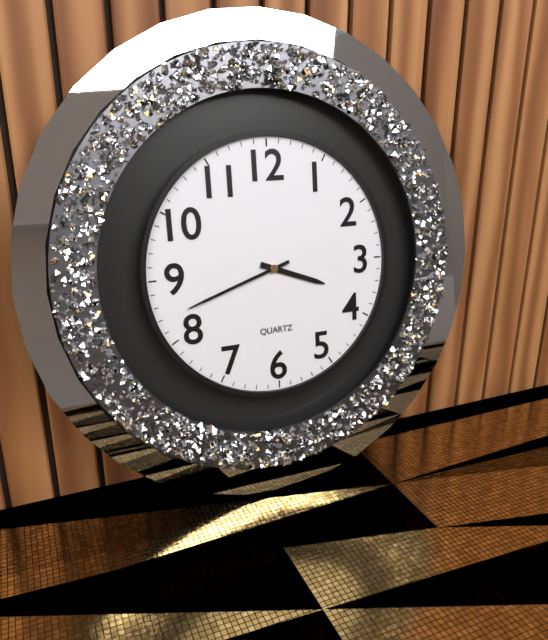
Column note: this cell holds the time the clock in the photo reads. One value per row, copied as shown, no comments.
3:42
